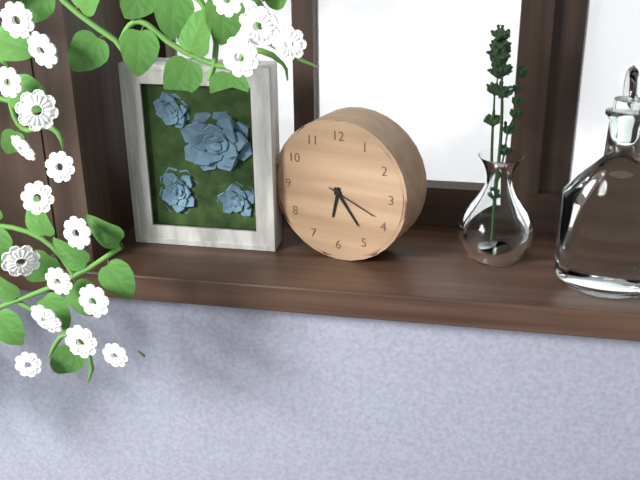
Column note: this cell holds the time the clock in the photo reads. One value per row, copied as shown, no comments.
6:24:19
